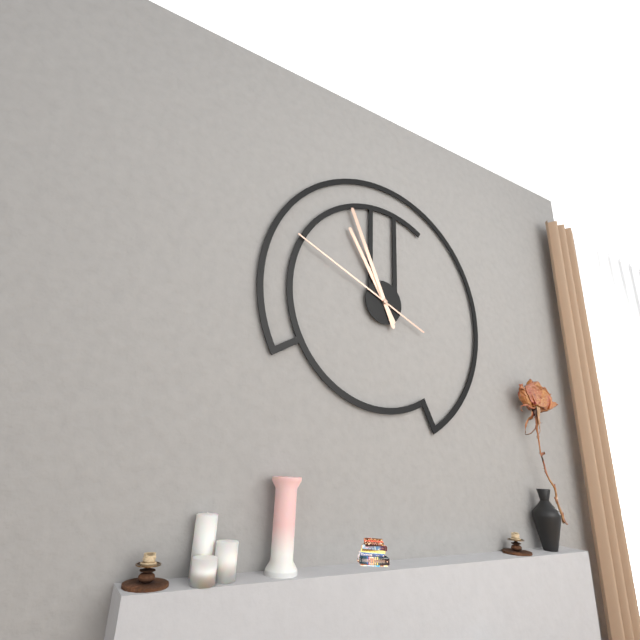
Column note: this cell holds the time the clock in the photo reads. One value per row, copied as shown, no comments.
10:56:49
